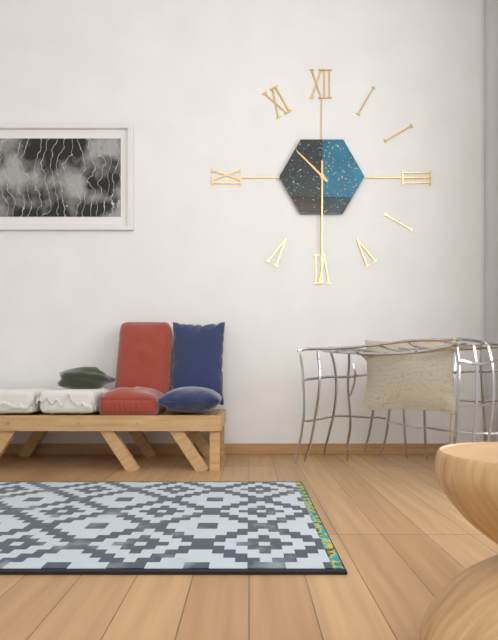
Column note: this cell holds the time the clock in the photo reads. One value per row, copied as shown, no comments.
10:30
